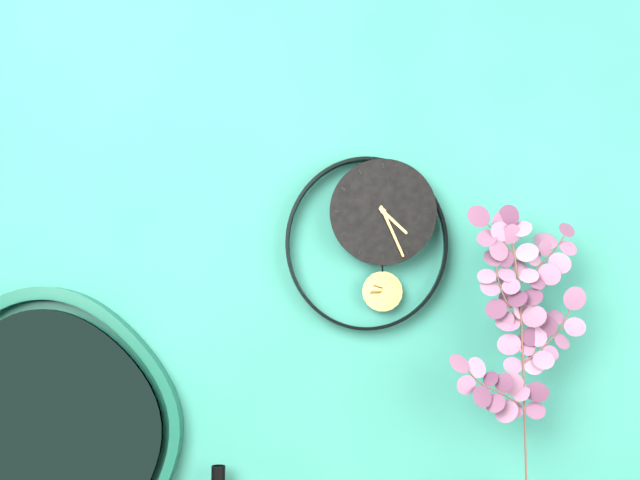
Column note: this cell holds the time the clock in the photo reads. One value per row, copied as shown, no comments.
4:26
